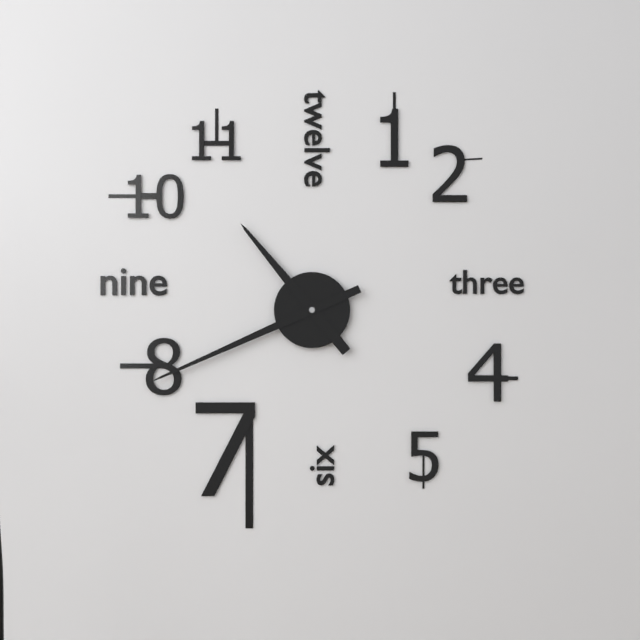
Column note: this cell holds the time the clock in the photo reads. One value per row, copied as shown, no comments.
10:41
